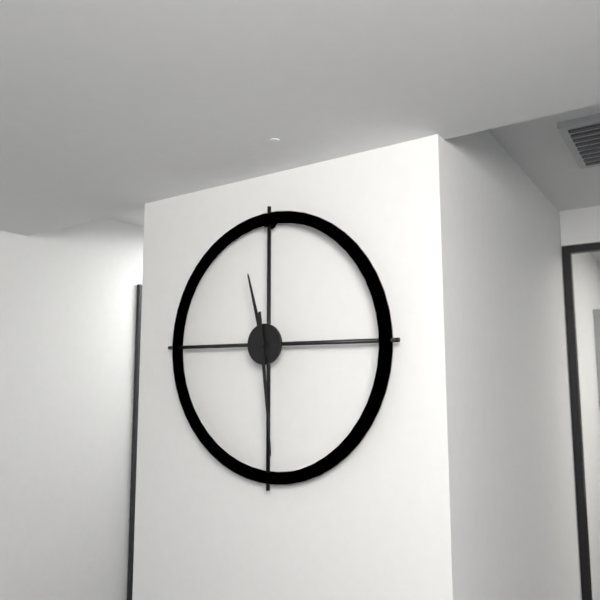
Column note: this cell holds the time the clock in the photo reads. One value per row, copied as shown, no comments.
11:29
